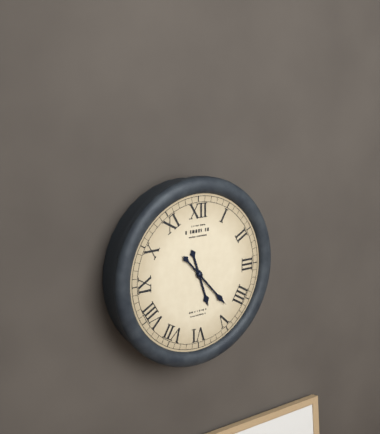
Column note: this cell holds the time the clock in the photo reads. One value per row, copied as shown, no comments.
5:23
